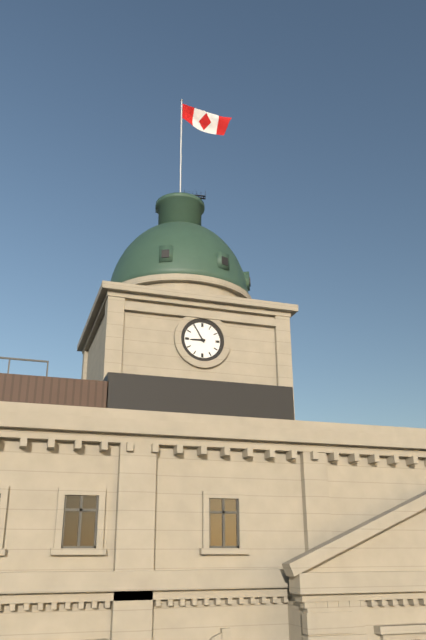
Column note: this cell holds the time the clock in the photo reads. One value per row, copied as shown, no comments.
8:55
